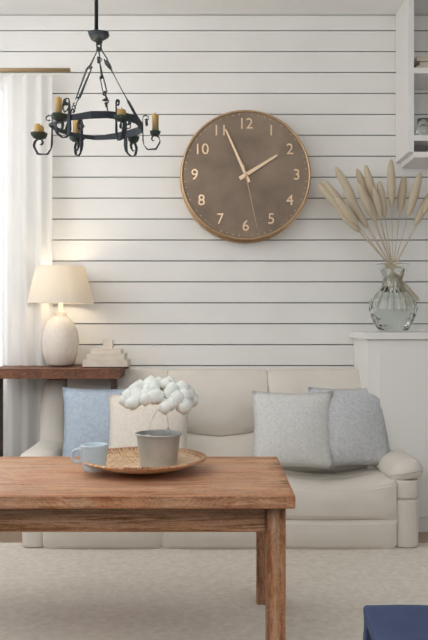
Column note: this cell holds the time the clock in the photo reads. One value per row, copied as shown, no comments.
1:56:28
